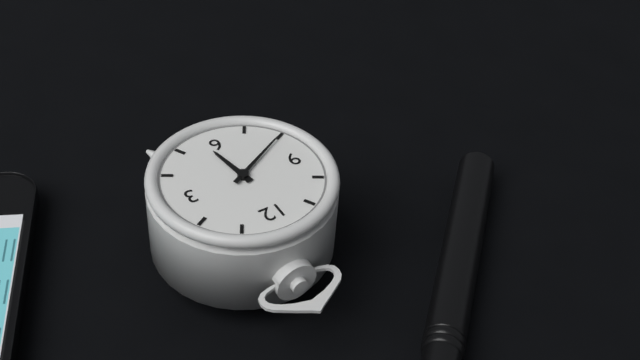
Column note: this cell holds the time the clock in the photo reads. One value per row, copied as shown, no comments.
5:40
